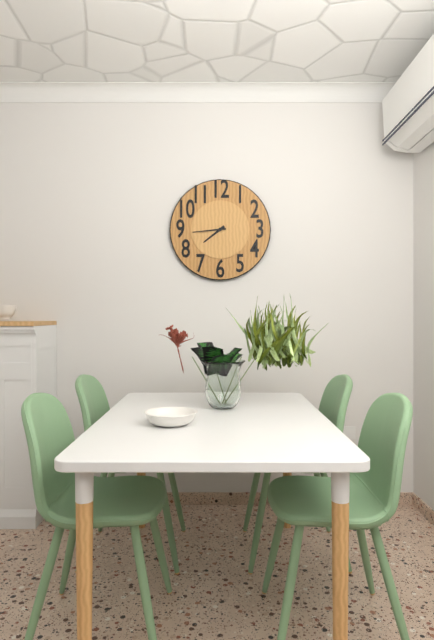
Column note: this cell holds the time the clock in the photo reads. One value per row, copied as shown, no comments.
7:44
